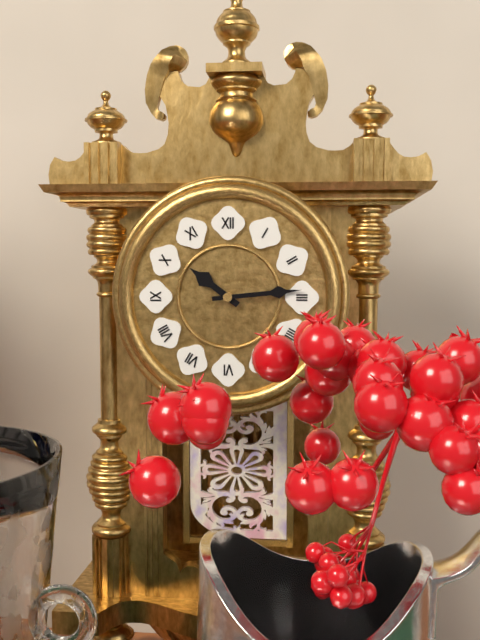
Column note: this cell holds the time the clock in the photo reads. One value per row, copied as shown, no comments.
10:14
